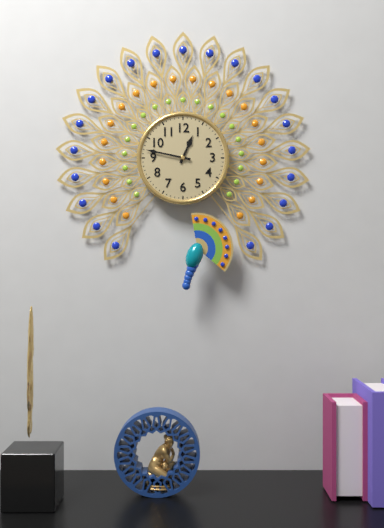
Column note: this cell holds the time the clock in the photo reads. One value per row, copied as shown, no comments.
12:47
